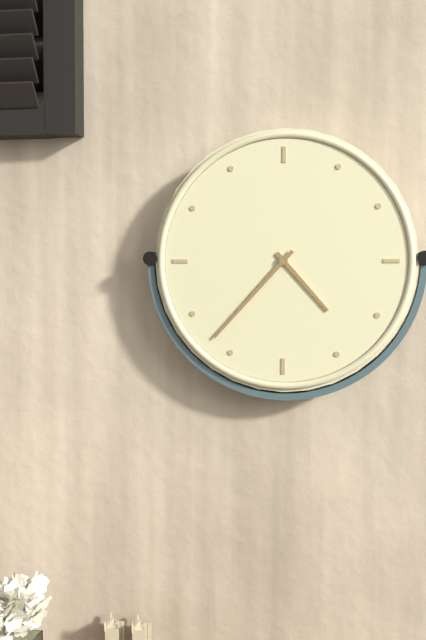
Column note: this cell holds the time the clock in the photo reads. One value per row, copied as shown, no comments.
4:37
